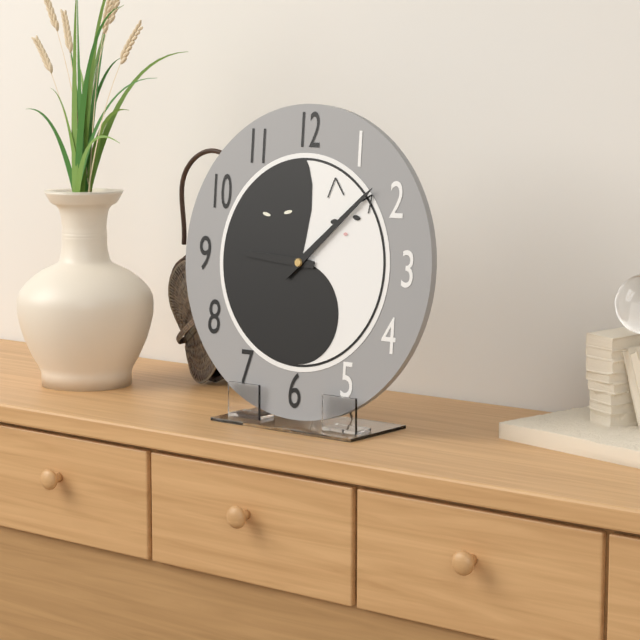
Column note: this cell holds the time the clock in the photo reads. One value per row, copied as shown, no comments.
9:08
